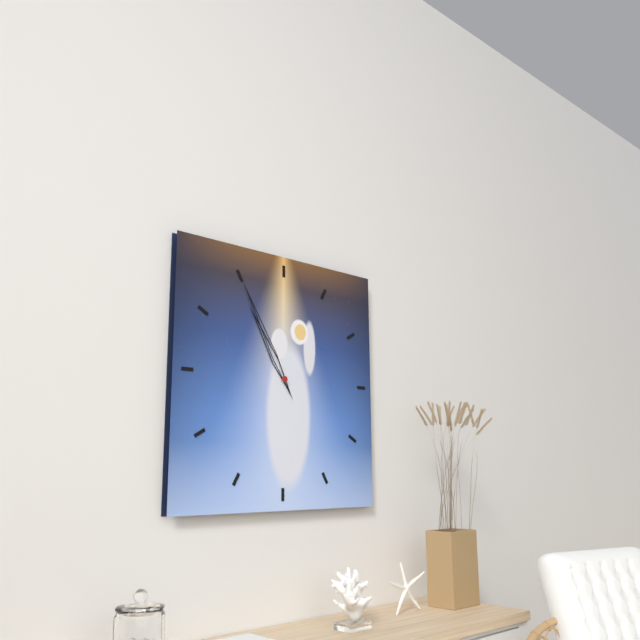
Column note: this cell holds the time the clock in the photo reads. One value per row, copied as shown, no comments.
10:55
